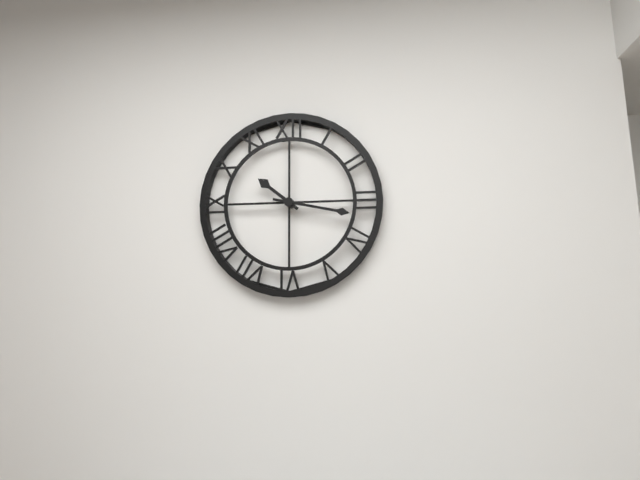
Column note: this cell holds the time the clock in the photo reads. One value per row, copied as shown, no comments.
10:17
